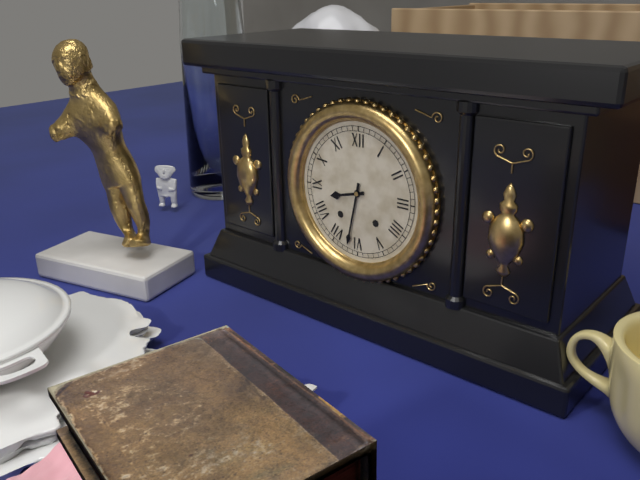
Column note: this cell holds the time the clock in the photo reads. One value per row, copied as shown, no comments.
8:32
